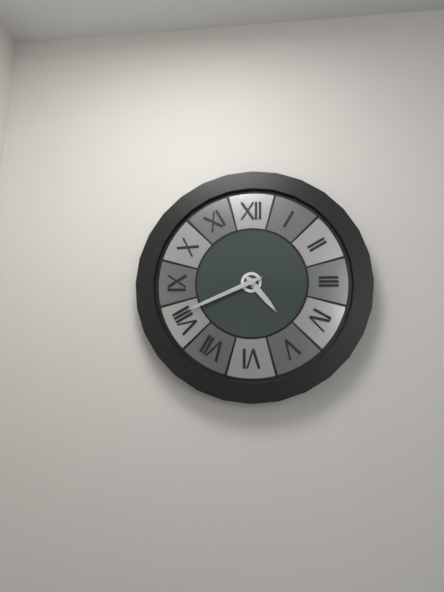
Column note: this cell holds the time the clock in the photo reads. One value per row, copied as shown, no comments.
4:41
